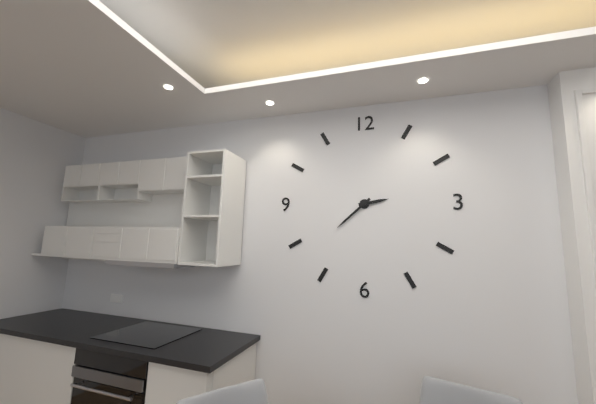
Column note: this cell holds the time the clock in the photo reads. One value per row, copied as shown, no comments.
2:38
